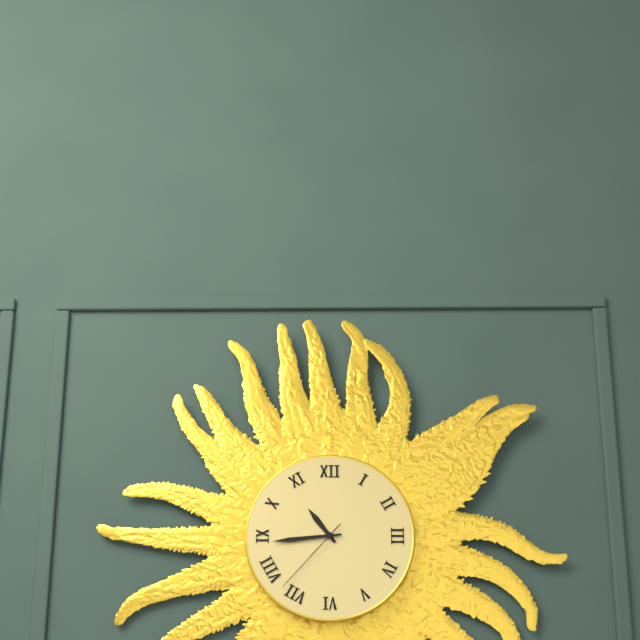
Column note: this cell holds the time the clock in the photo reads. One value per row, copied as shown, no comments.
10:44:37
